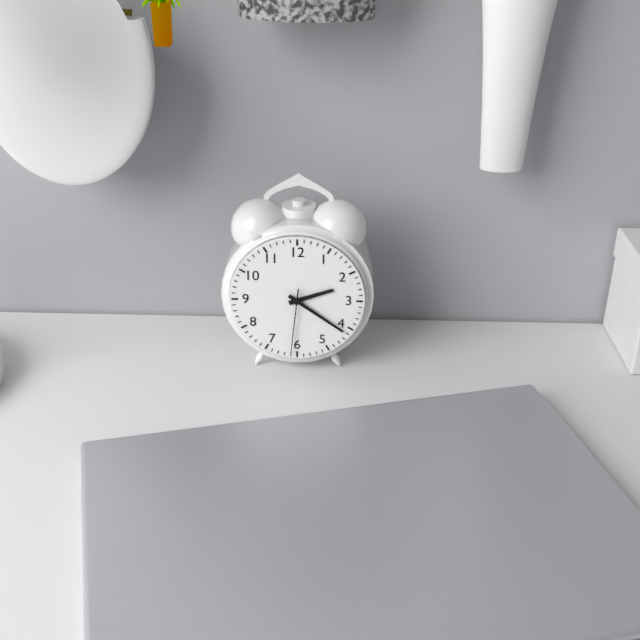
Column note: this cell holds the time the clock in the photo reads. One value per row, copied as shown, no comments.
2:21:31
